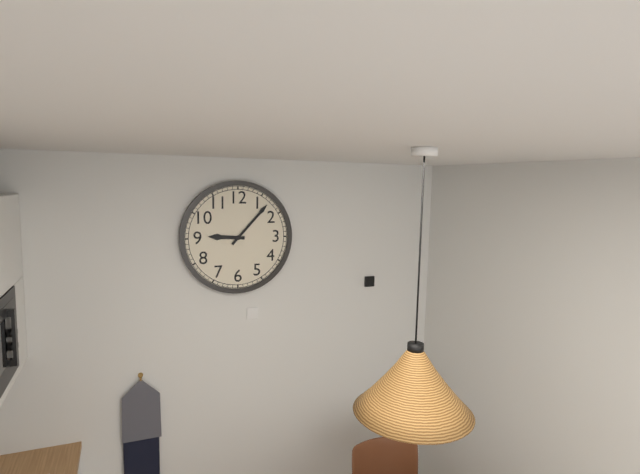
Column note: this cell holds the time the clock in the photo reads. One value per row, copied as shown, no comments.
9:07
